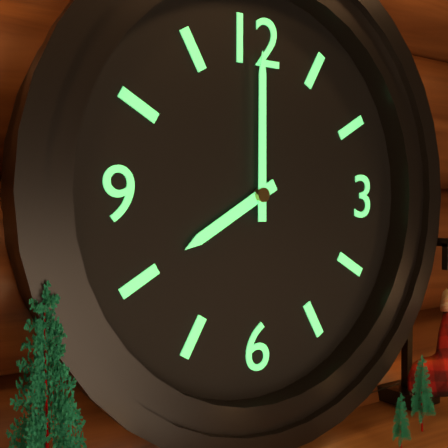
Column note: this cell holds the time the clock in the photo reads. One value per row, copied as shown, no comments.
8:00
